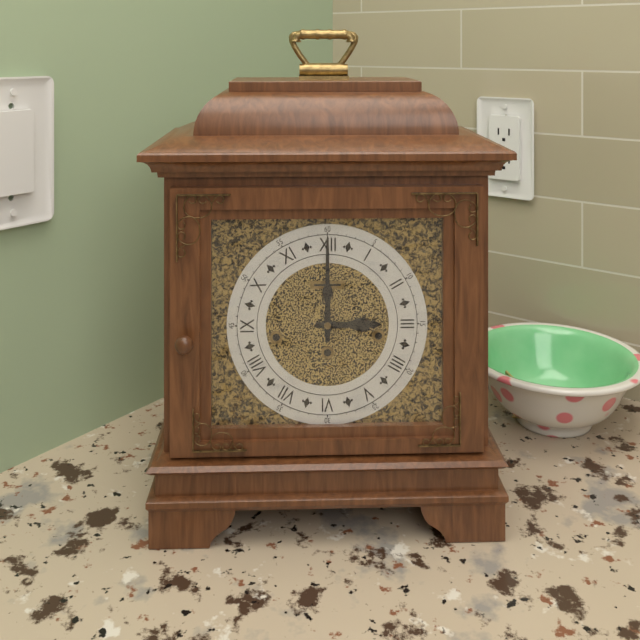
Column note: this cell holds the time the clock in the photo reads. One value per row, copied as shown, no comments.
3:00
